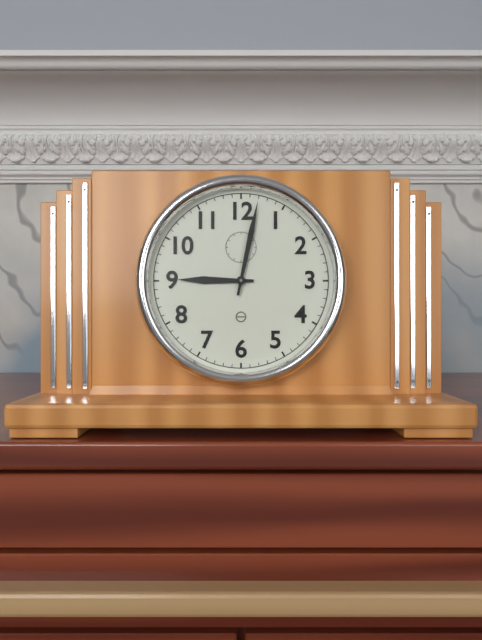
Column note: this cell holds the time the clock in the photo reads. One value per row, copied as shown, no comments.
9:02
